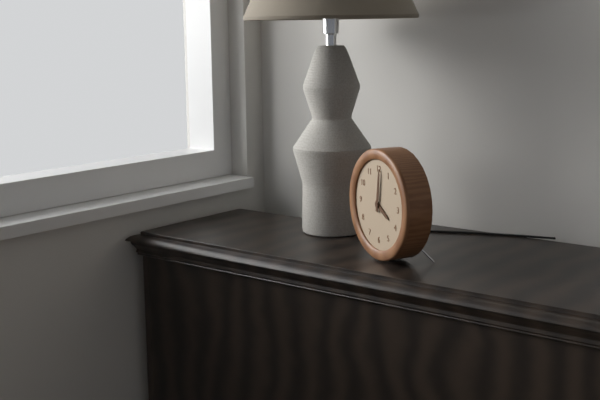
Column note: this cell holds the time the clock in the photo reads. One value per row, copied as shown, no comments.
4:01
